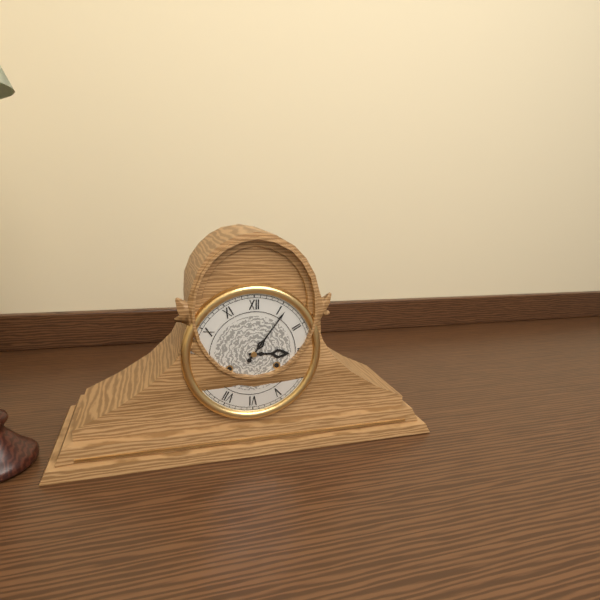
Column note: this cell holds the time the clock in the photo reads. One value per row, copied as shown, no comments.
3:06
